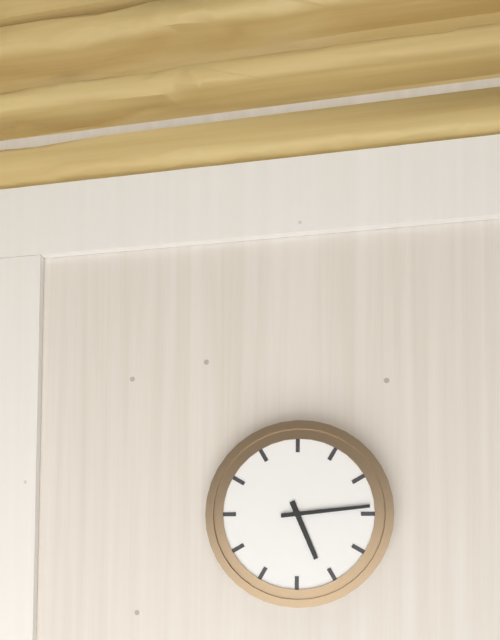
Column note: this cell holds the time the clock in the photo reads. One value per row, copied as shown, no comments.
5:14
